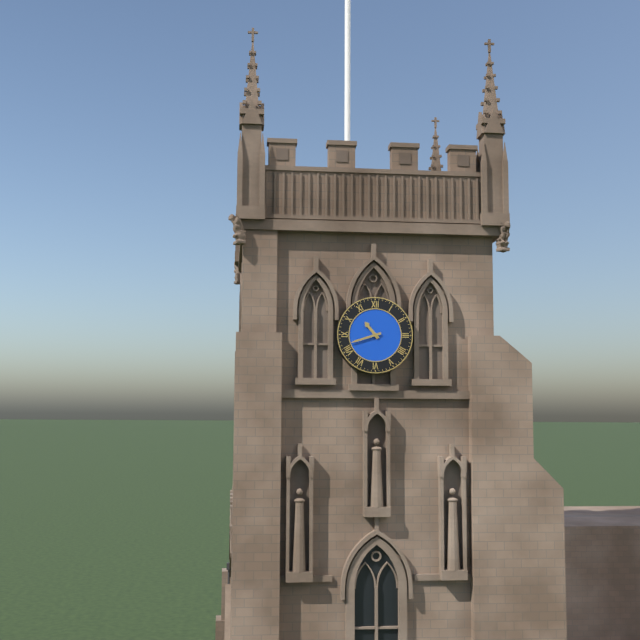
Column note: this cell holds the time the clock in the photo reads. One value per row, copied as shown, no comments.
10:42
